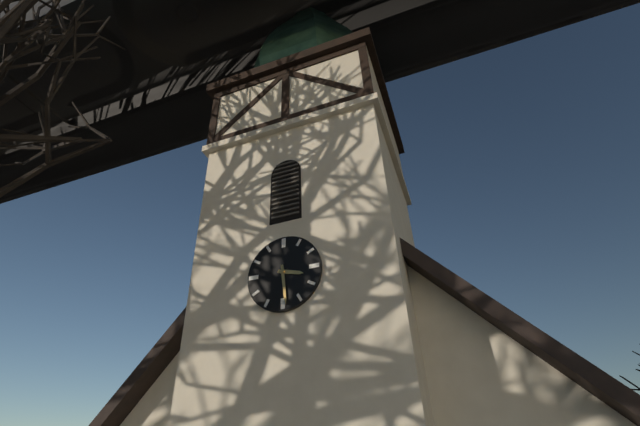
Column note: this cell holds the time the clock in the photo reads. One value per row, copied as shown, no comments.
3:29
